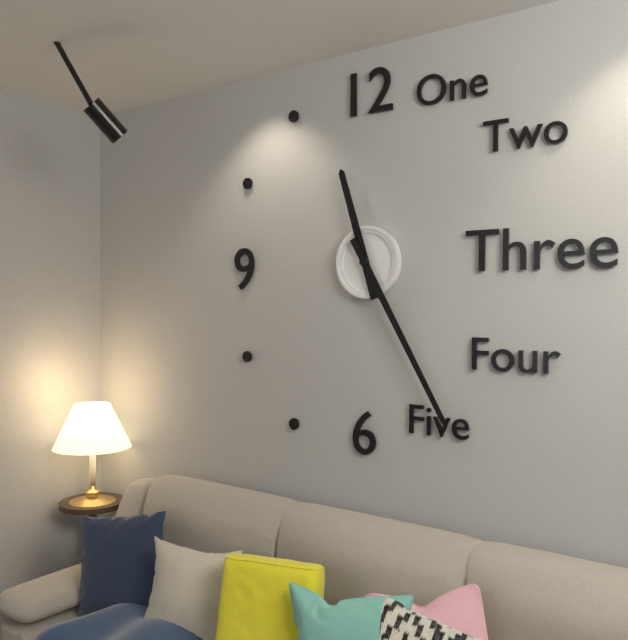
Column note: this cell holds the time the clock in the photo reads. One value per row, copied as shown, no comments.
11:25
